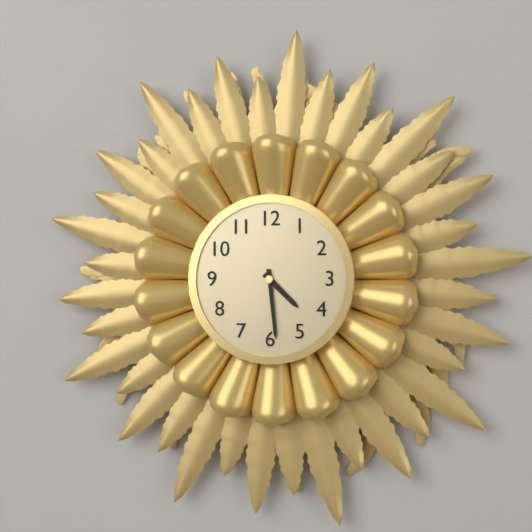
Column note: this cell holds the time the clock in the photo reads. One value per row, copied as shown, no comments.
4:29
